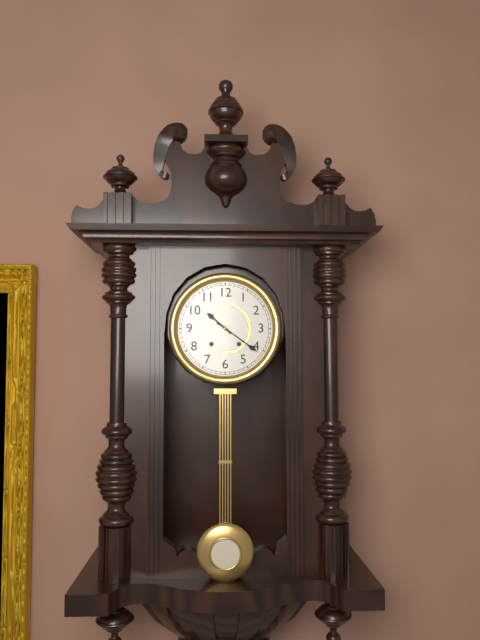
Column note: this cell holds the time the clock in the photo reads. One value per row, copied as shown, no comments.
10:21
